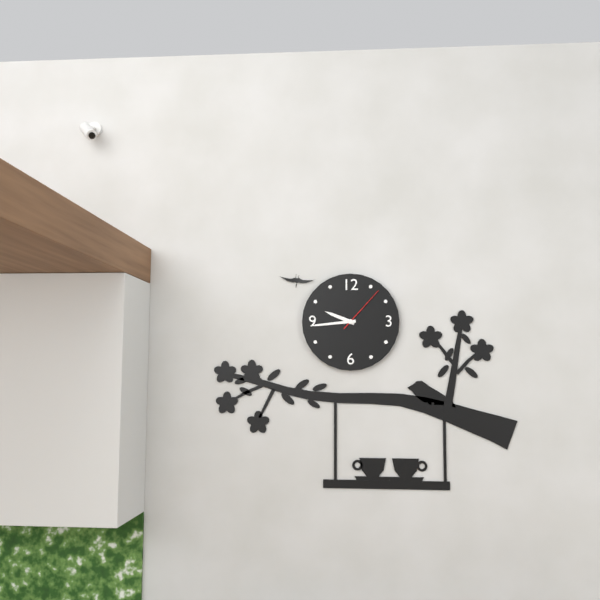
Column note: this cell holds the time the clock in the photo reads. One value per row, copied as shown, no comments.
9:44:07
